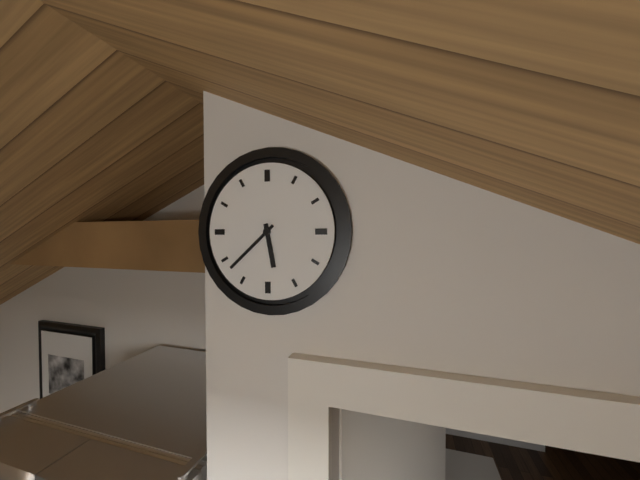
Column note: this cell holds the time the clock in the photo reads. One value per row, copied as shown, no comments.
5:38
